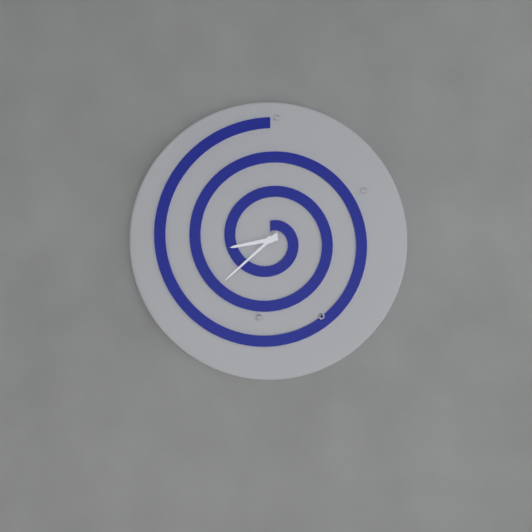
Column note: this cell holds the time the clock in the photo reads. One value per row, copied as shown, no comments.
8:38
